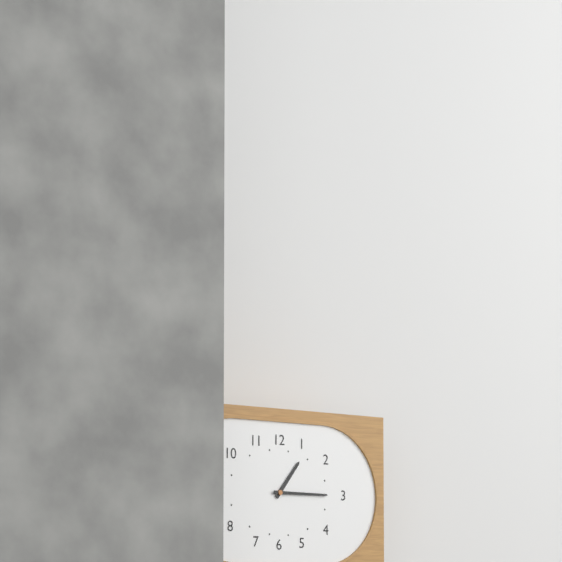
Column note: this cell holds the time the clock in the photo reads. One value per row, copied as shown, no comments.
1:15
